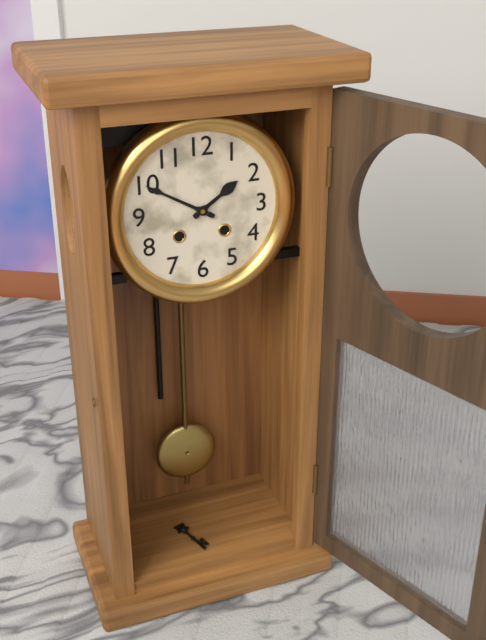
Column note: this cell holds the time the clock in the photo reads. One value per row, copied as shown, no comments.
1:50
